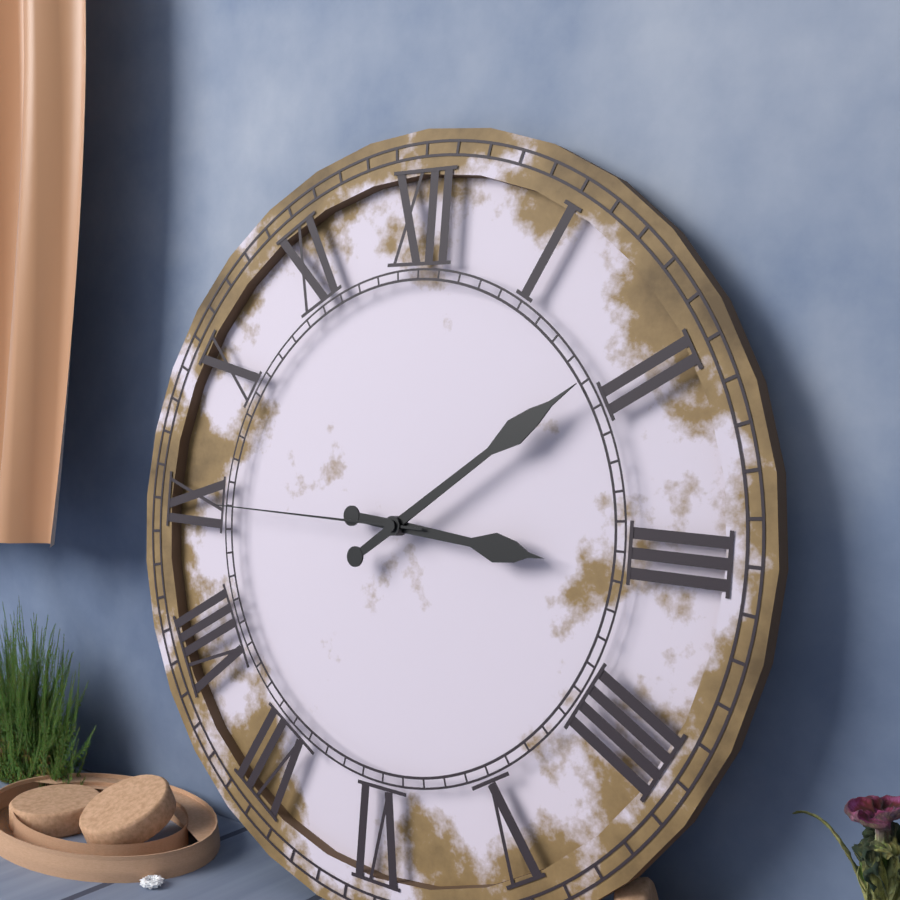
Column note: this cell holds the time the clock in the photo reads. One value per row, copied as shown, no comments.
3:09:45
